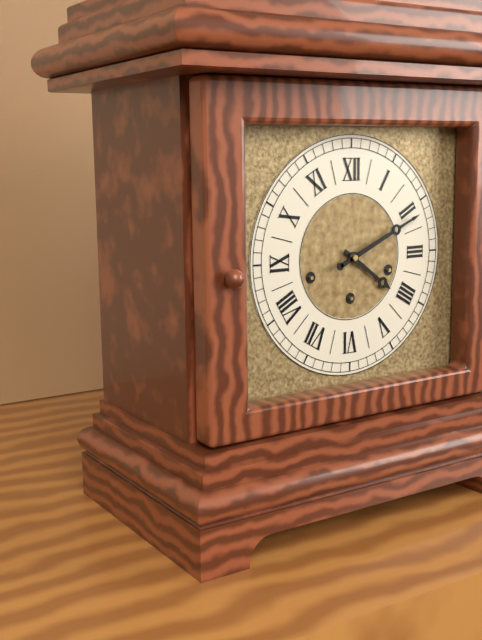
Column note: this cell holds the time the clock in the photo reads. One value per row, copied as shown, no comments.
4:11
